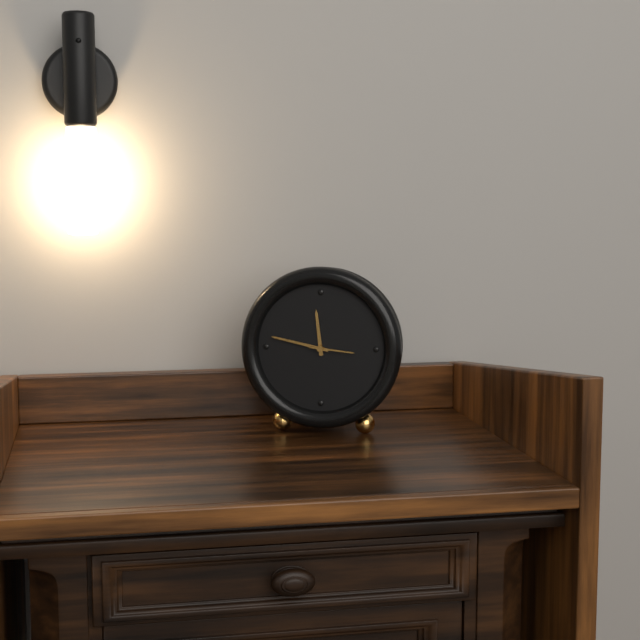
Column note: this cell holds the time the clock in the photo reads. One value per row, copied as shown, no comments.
11:47
